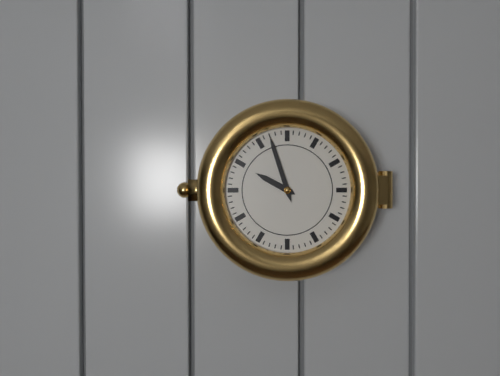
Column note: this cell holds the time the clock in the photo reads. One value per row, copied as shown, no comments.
9:57
